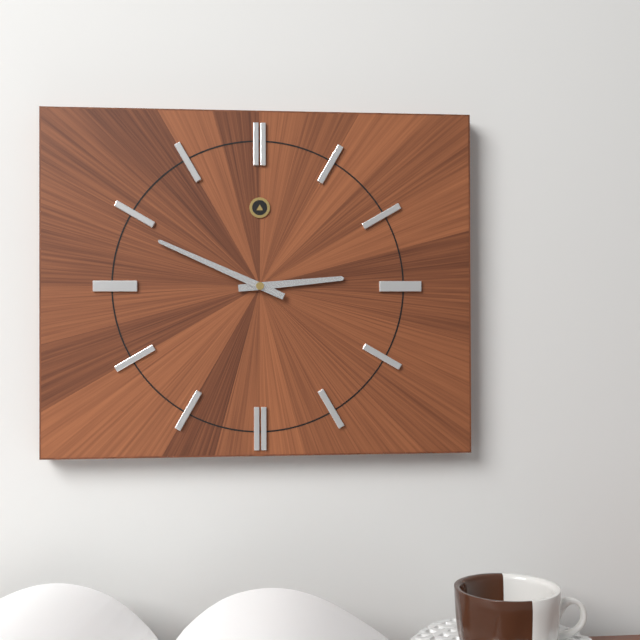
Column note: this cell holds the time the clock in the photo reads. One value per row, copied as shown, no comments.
2:49
